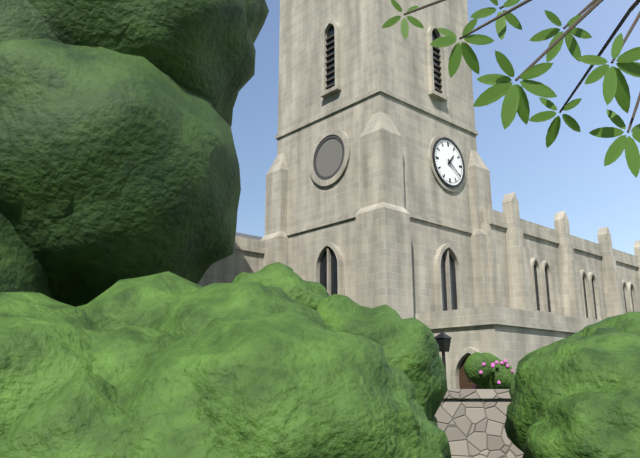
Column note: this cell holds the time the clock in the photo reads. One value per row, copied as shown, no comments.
1:21
